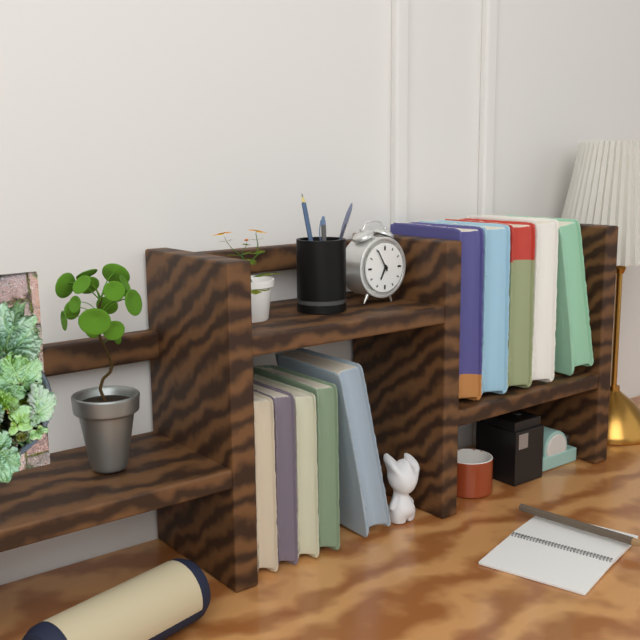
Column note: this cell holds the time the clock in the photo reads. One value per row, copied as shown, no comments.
6:55
